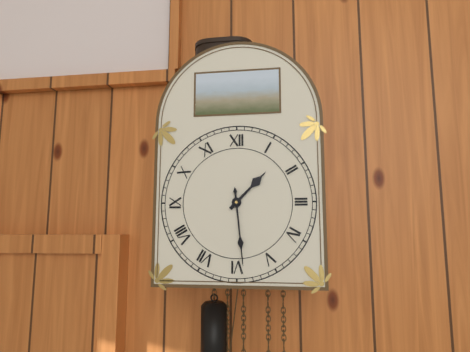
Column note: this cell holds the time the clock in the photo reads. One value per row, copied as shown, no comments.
1:29
